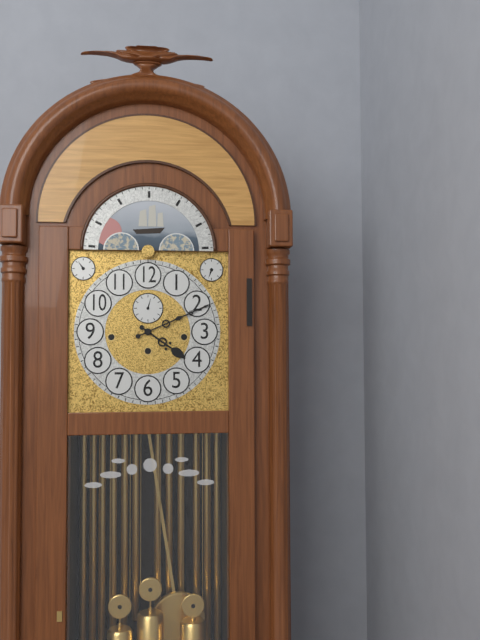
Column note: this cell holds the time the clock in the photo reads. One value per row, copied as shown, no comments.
4:11
